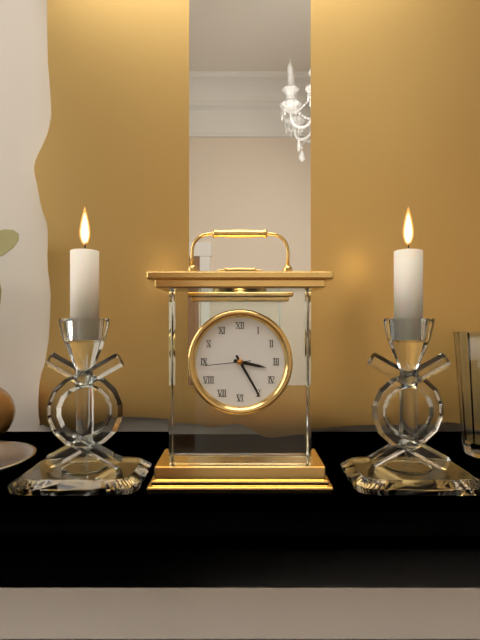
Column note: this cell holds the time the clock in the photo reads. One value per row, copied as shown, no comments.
3:25
